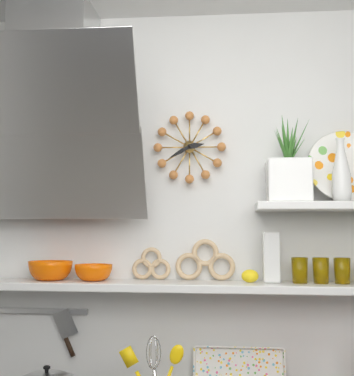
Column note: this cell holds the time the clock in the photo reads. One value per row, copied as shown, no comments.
2:40
